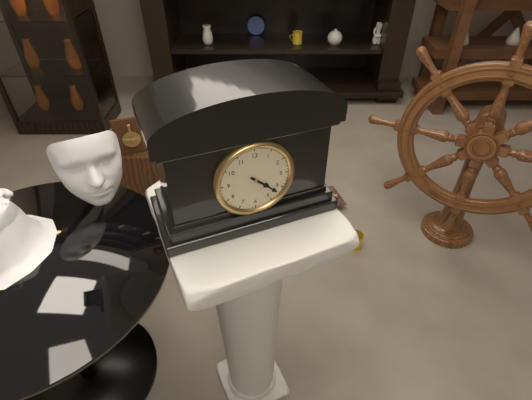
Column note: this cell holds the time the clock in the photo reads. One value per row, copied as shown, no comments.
4:22
